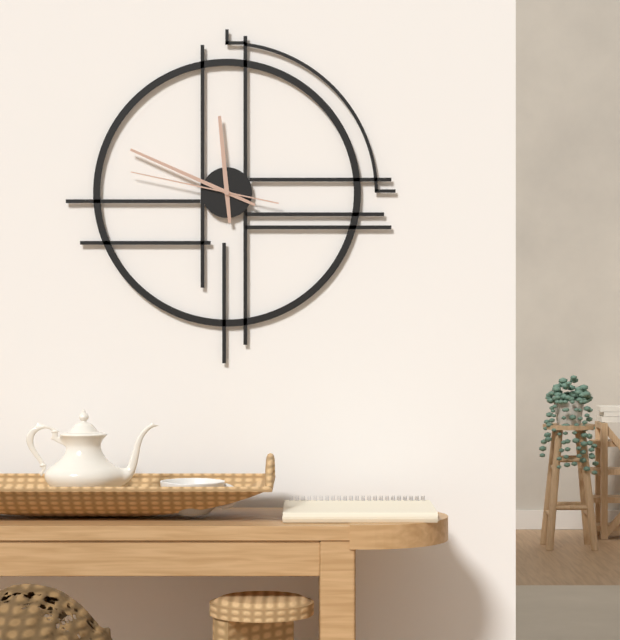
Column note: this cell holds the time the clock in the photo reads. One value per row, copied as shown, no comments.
11:49:47
